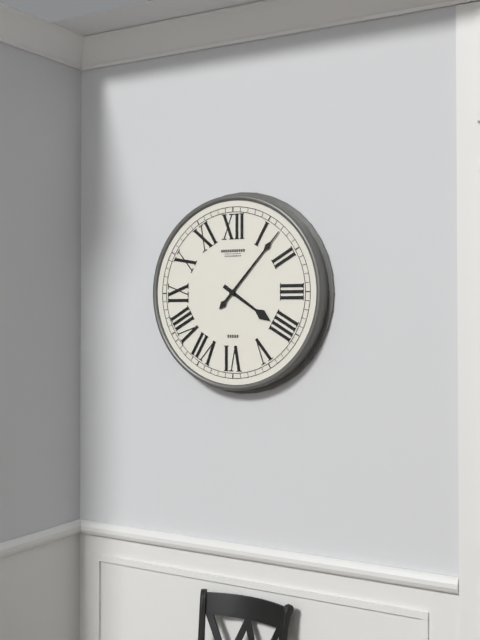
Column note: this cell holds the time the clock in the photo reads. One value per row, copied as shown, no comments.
4:07
